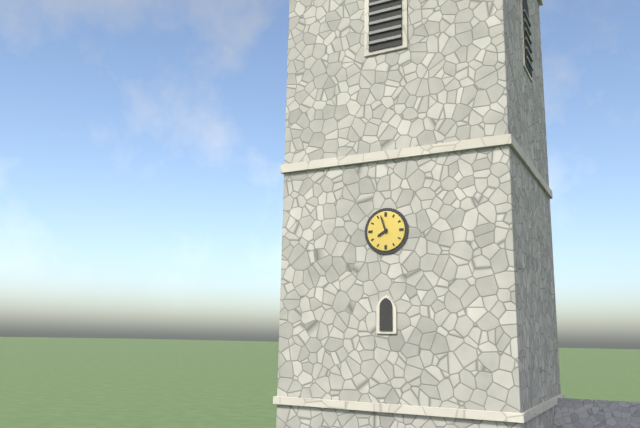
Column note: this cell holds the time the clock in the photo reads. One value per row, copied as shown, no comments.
7:57
